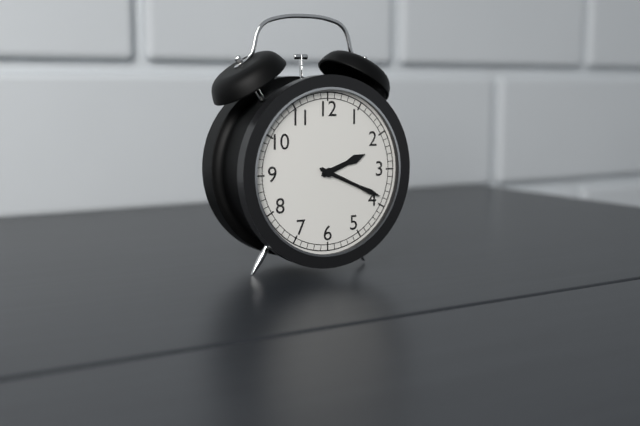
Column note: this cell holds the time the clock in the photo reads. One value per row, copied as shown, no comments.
2:19
